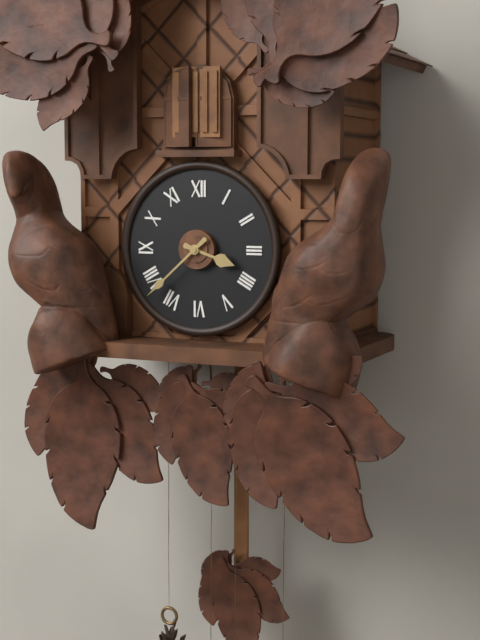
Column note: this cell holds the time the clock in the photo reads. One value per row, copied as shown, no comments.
3:38
